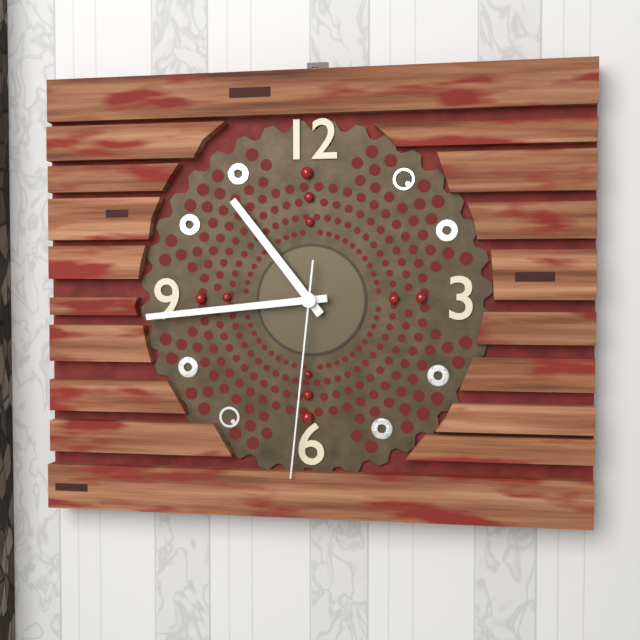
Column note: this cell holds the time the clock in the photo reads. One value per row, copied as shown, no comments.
10:44:31
